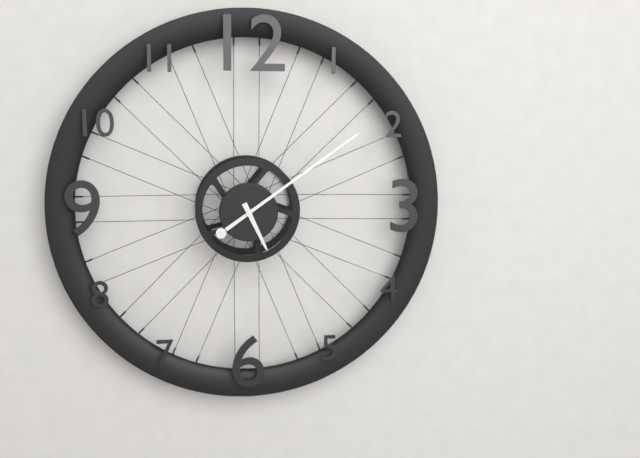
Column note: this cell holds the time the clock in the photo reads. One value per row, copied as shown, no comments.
5:09
